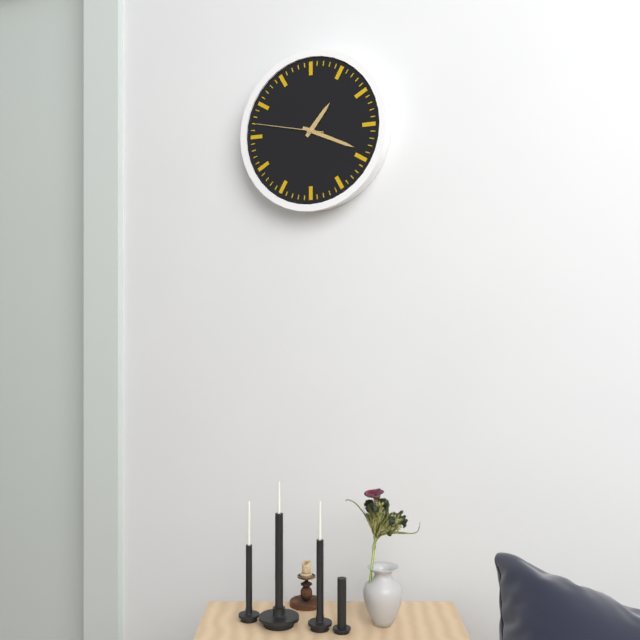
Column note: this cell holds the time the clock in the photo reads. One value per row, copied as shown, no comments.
1:19:47
